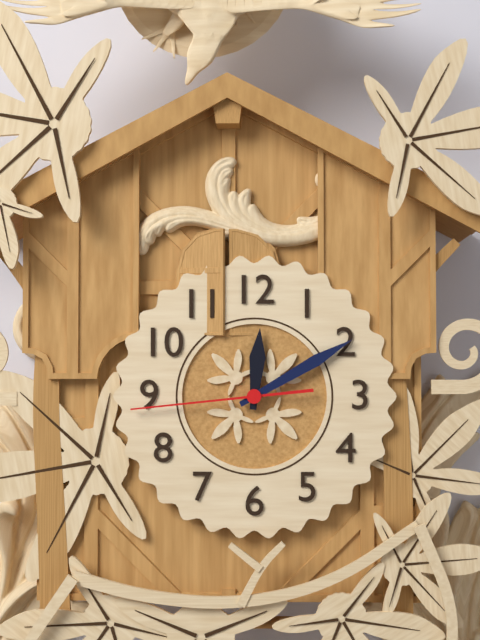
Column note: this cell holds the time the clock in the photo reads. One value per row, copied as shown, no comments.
12:10:44
